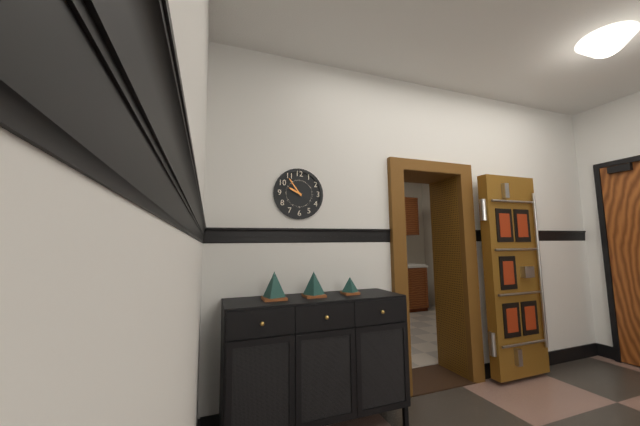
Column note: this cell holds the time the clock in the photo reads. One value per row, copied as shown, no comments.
9:54
